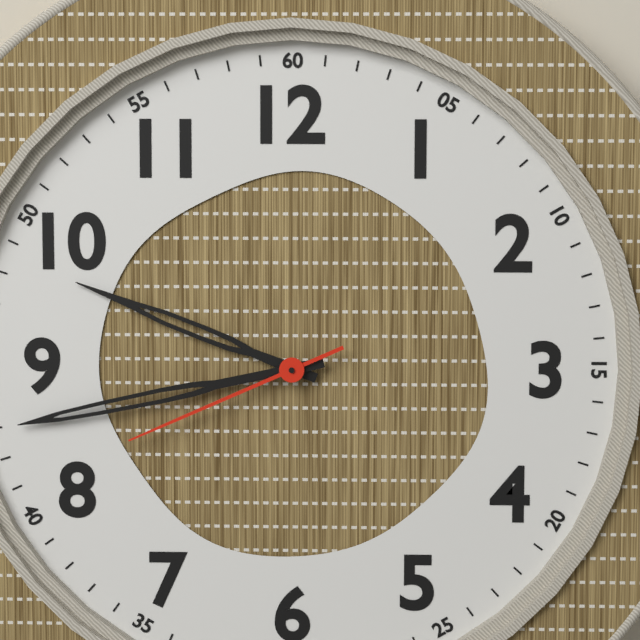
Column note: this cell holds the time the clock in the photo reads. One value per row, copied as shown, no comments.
9:43:41
